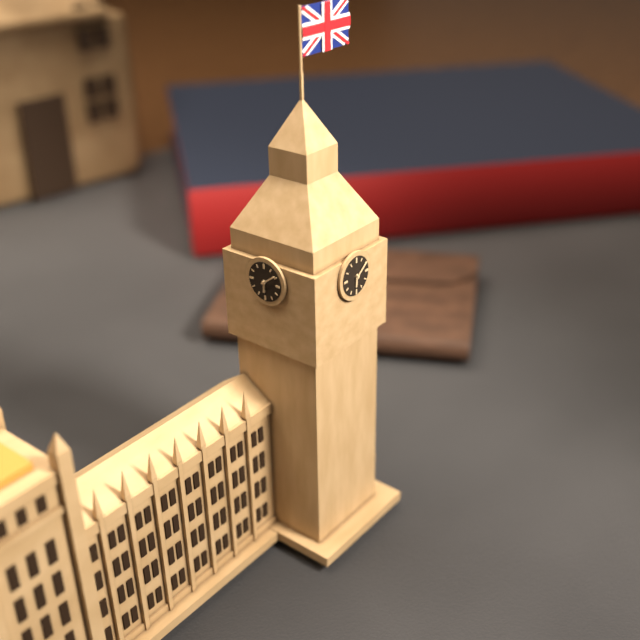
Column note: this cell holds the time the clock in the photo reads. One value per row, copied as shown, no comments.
6:09
